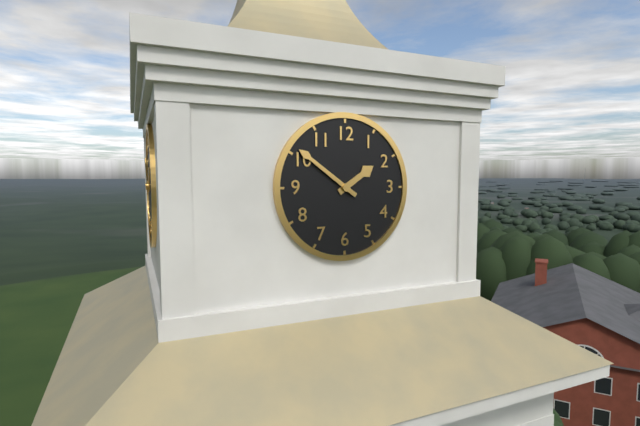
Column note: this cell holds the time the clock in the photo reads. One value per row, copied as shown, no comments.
1:51
